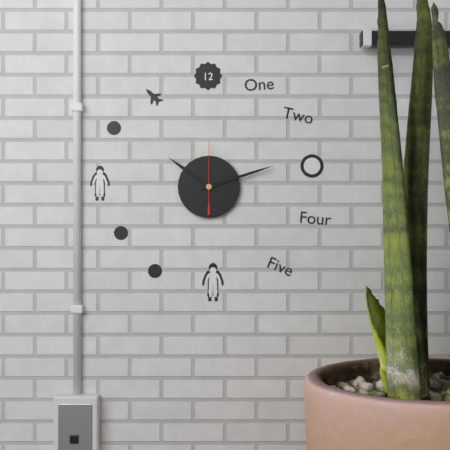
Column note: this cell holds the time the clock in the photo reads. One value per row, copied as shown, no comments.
10:12:00
